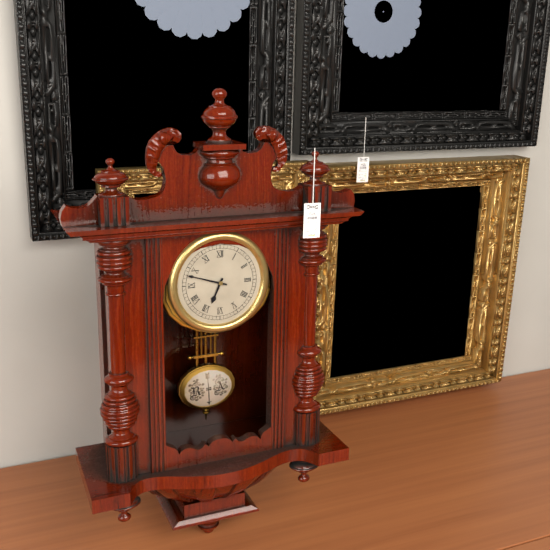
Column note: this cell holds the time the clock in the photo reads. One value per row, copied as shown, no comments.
6:48
